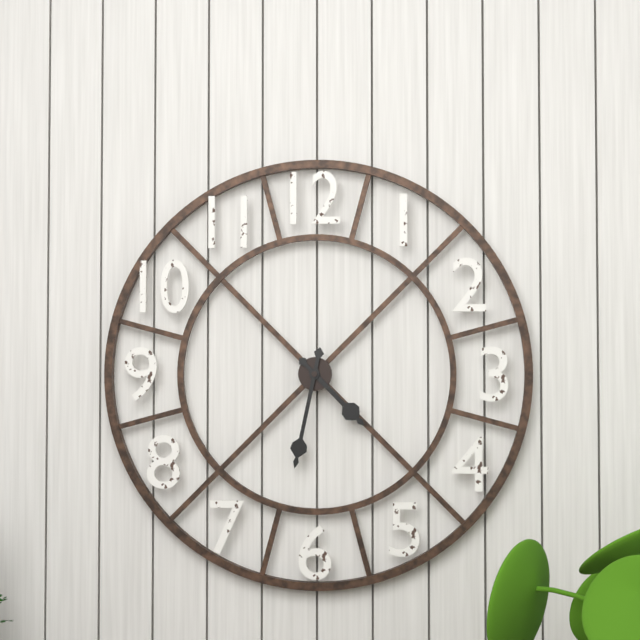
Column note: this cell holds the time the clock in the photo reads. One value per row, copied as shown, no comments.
4:32
